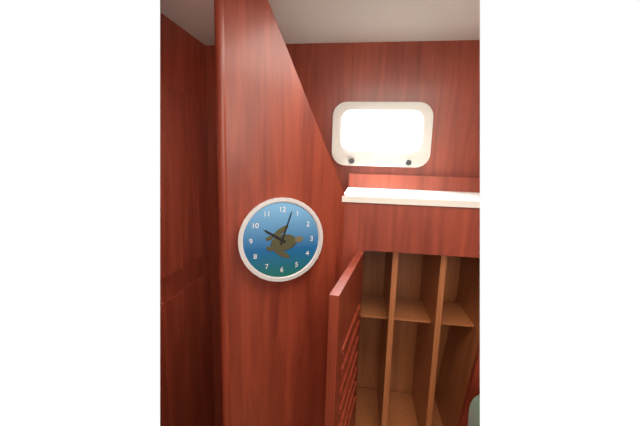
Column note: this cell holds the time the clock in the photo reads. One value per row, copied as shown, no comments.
10:03
